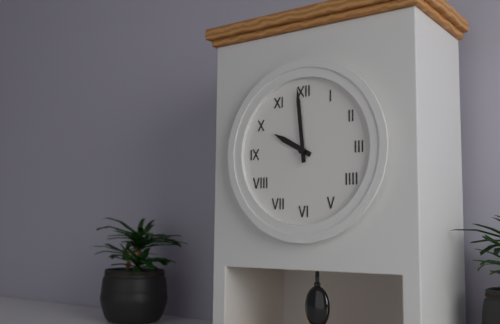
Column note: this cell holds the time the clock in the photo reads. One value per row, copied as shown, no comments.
9:59
